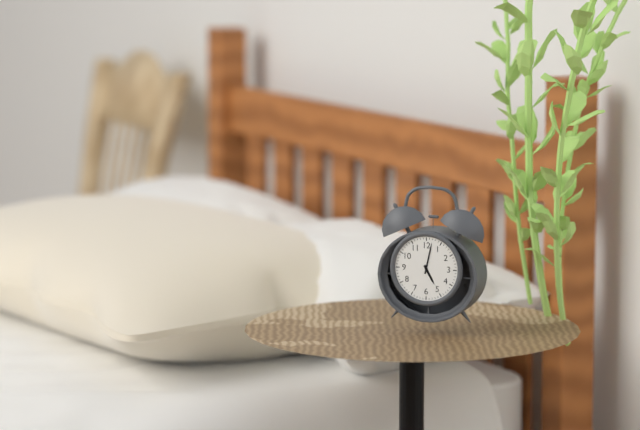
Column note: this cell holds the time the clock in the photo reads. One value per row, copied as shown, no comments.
5:02
